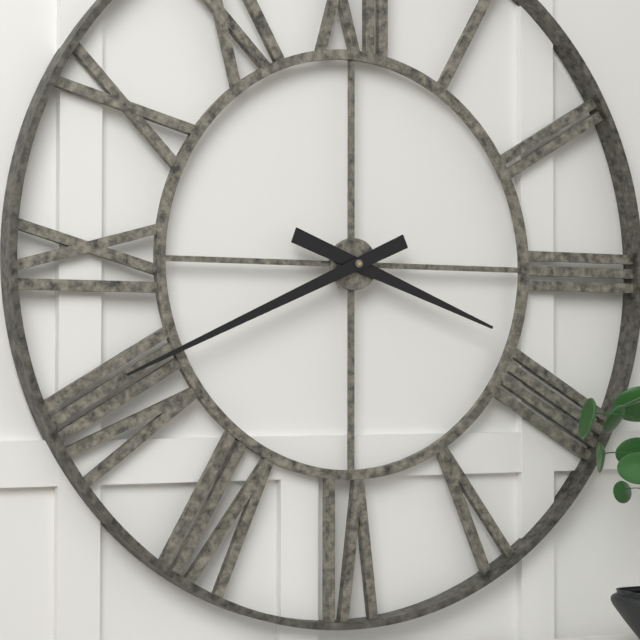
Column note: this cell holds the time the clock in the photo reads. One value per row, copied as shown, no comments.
3:41
